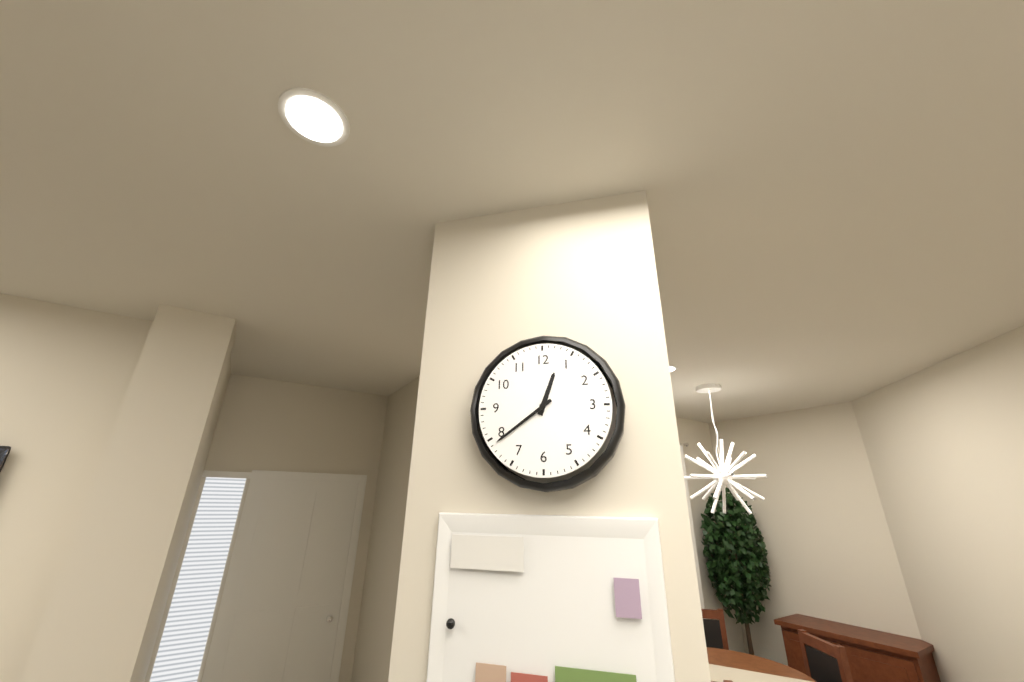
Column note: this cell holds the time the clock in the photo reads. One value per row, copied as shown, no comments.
12:39
